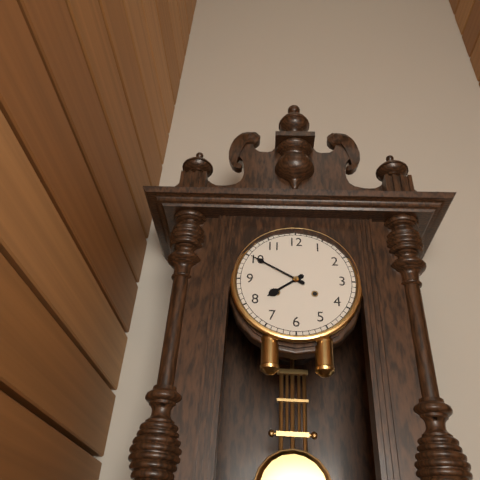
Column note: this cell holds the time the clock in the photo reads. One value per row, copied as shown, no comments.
7:50
